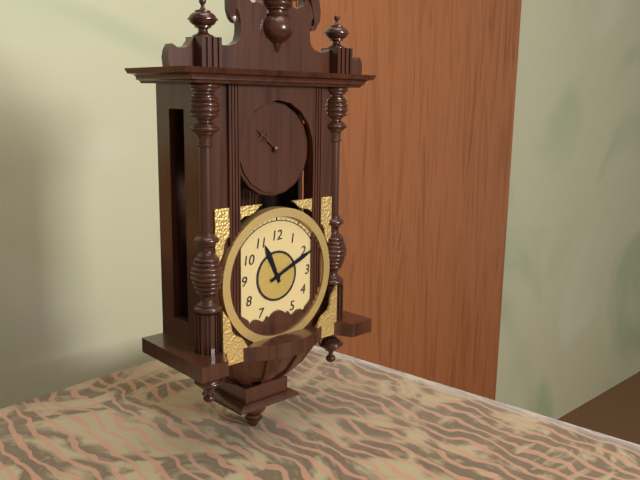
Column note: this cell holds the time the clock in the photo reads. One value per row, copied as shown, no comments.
11:11
